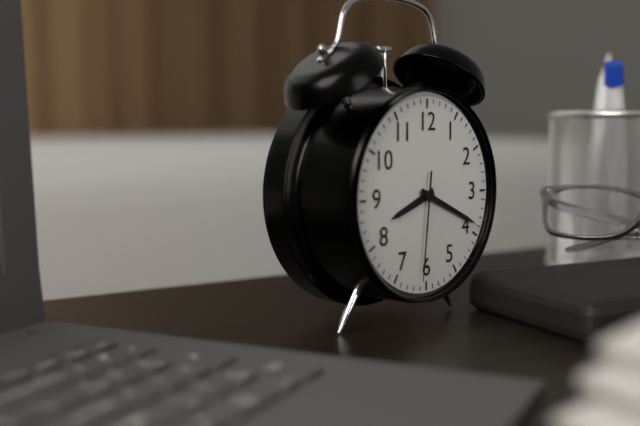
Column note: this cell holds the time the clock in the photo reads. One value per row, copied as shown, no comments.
8:19:31
